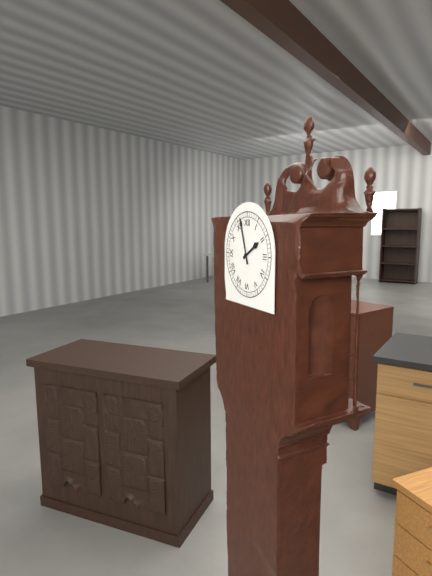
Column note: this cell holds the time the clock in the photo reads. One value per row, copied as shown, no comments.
1:57
